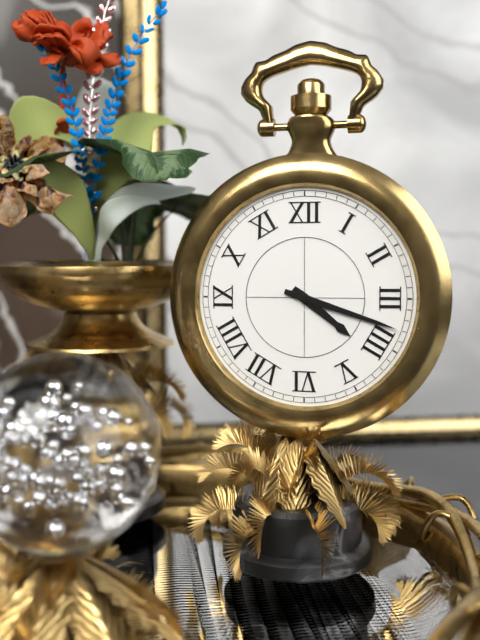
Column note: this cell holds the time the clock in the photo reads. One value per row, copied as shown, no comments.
4:18
